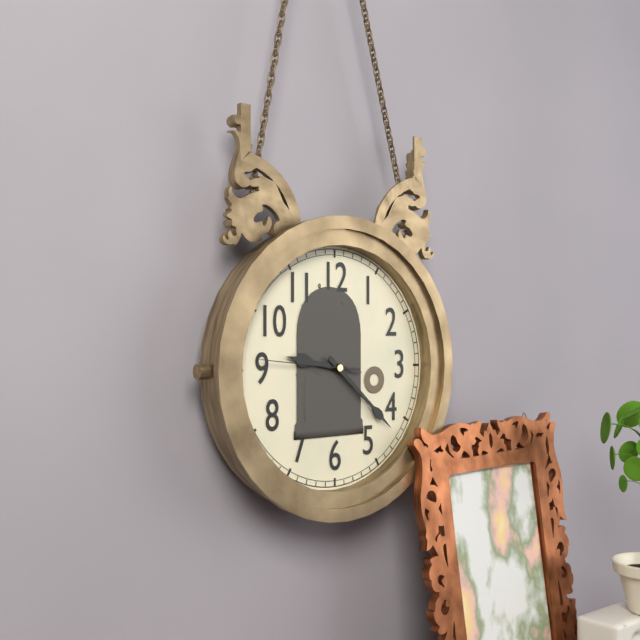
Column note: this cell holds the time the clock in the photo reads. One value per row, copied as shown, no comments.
9:22:46
